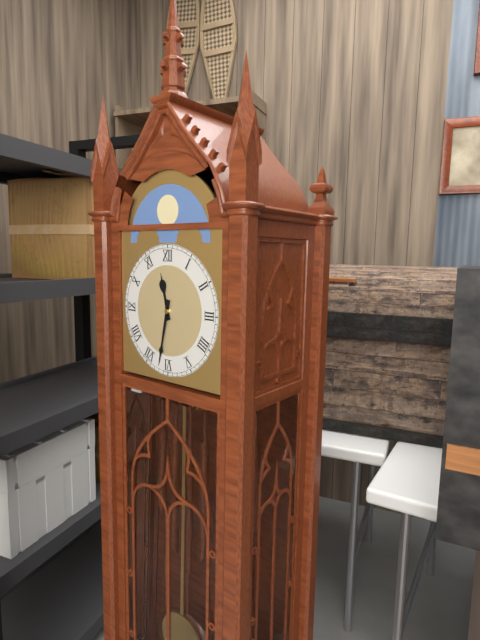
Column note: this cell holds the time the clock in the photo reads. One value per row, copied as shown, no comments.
11:32
